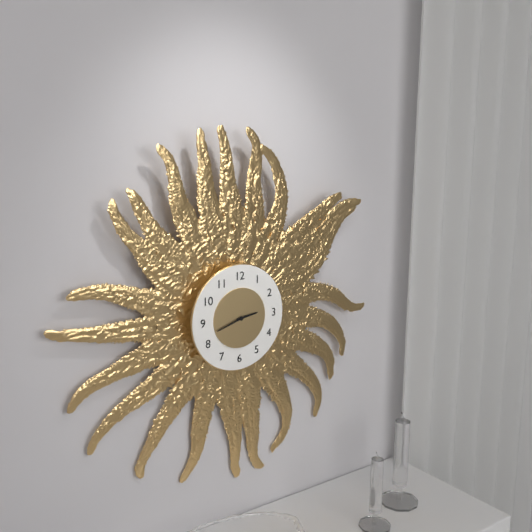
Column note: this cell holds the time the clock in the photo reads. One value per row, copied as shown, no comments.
2:42
